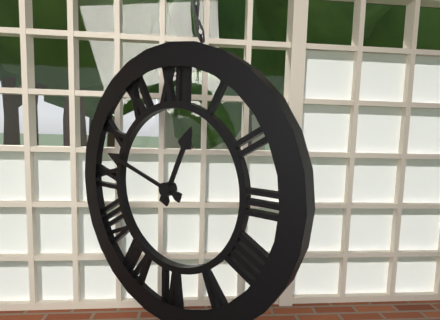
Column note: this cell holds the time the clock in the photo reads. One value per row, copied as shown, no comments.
12:48
